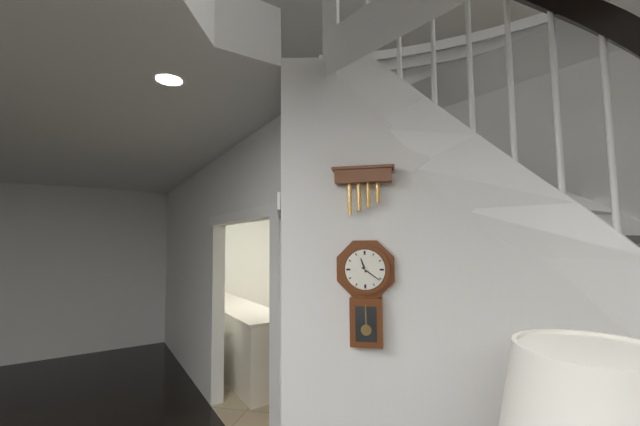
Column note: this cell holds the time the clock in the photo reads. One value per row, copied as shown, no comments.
11:21
